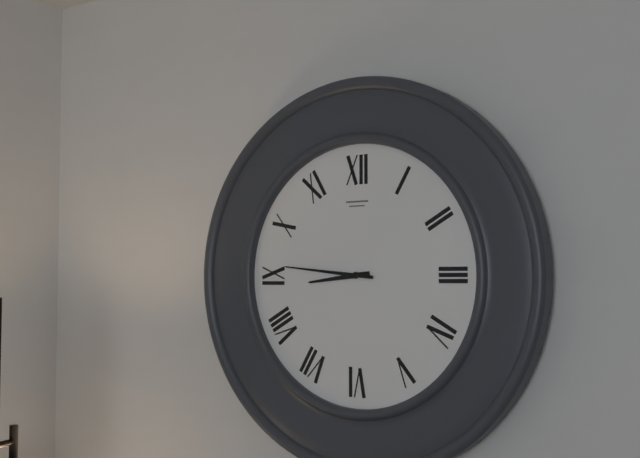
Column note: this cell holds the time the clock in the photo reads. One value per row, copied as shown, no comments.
8:46
